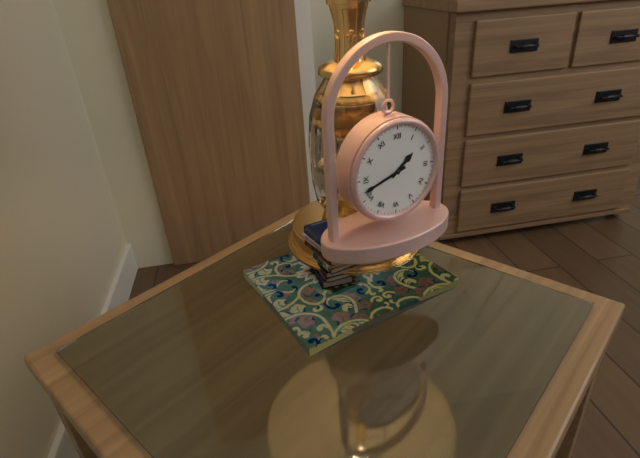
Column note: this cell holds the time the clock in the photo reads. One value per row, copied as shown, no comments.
1:42
